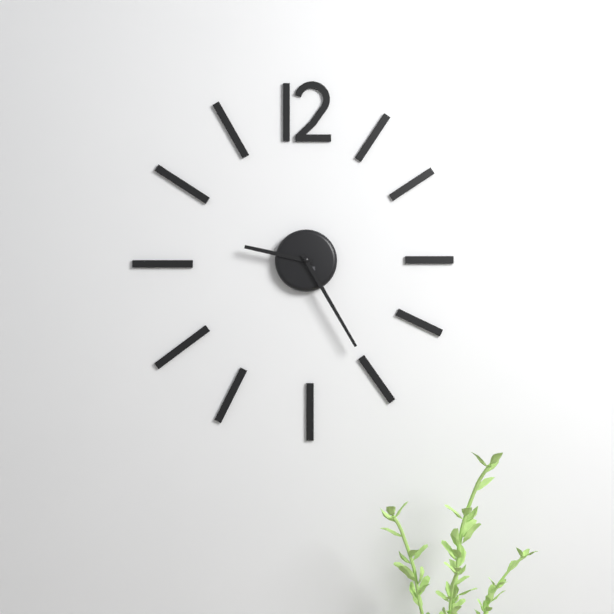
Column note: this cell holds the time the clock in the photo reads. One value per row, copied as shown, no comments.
9:25
